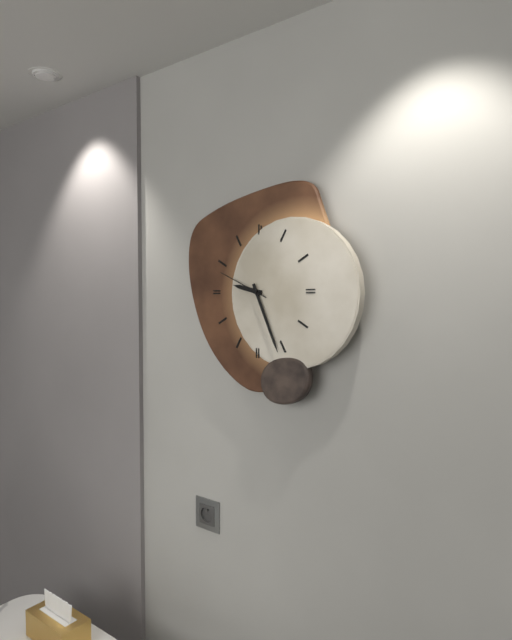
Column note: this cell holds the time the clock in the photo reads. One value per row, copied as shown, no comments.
9:26
